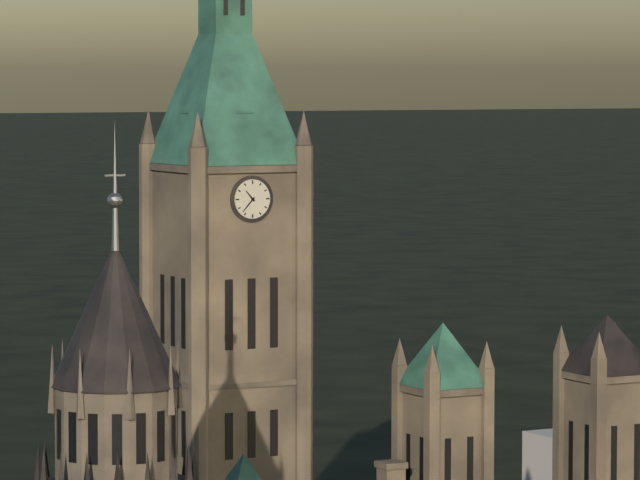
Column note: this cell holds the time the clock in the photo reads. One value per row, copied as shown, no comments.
10:37
